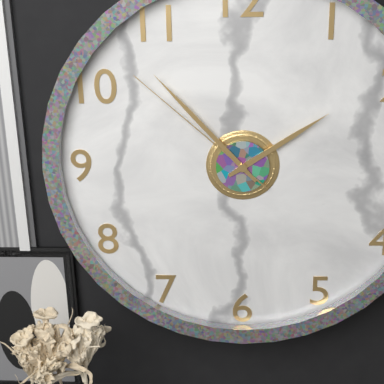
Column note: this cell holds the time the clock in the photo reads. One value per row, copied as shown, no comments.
1:53:52
